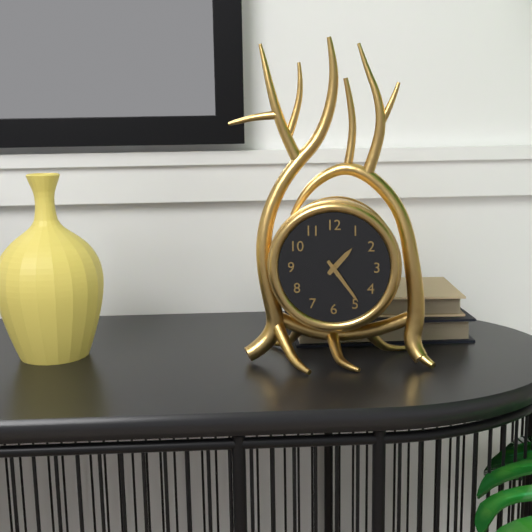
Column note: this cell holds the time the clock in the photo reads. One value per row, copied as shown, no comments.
1:24
